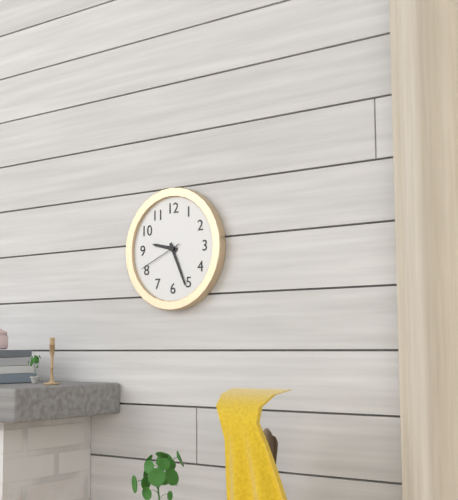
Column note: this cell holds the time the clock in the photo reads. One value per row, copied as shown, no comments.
9:26
